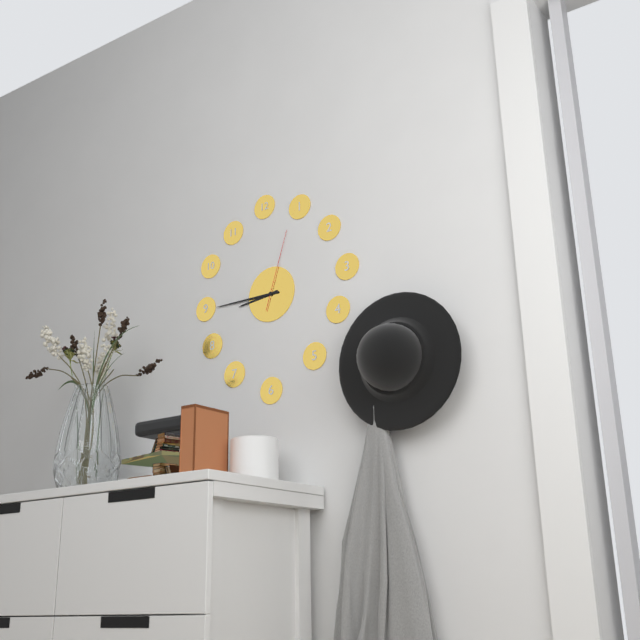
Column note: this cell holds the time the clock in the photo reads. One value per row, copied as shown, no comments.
8:45:03
